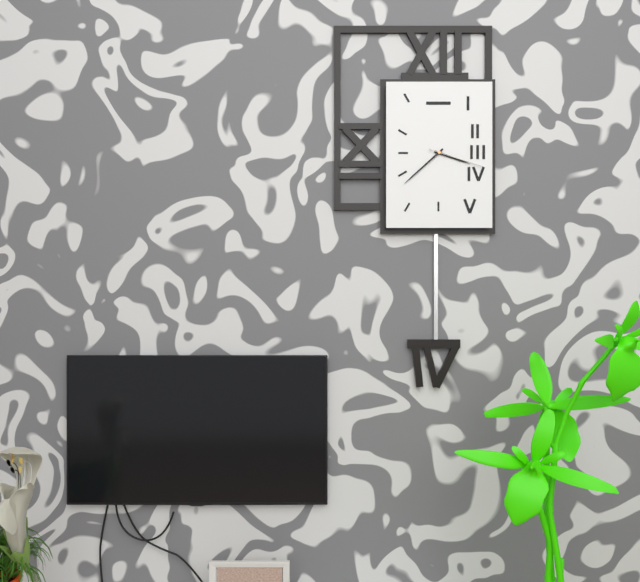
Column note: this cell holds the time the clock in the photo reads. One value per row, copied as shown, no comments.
3:38:18
